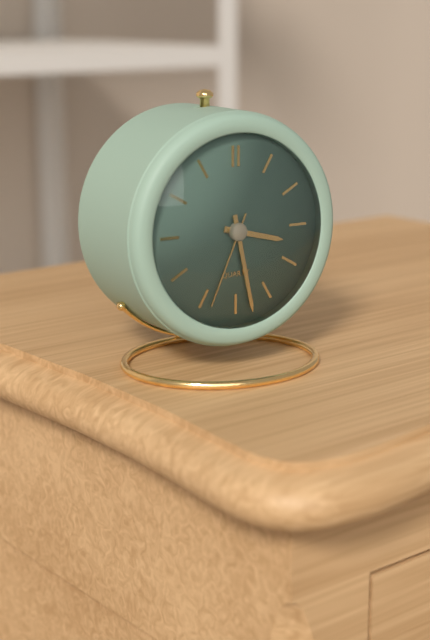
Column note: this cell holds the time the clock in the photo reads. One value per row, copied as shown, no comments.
3:28:34
